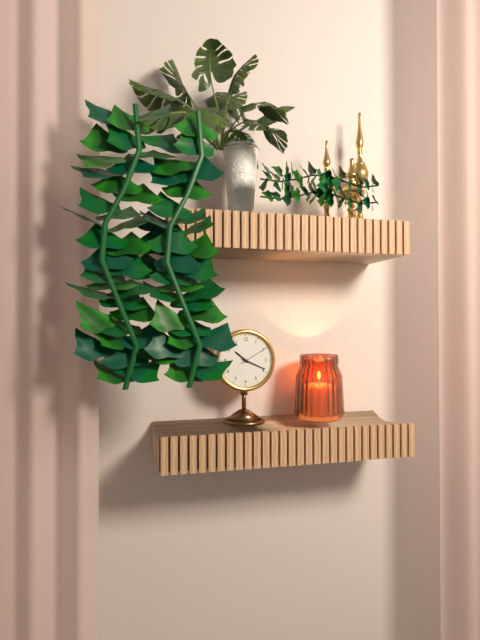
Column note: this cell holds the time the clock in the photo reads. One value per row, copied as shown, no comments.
10:19
